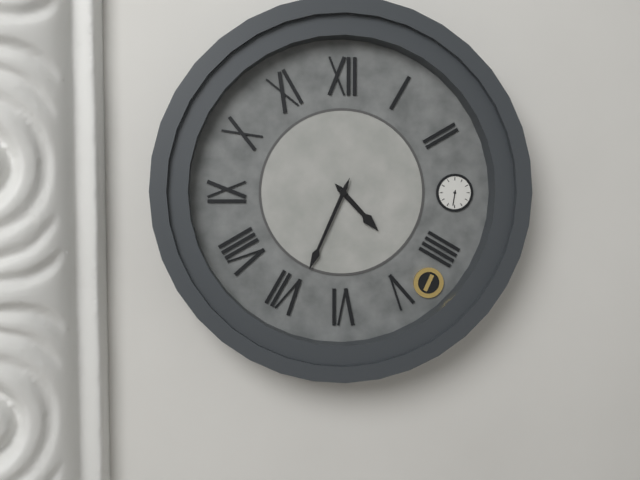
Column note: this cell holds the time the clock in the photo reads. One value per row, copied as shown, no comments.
4:34
